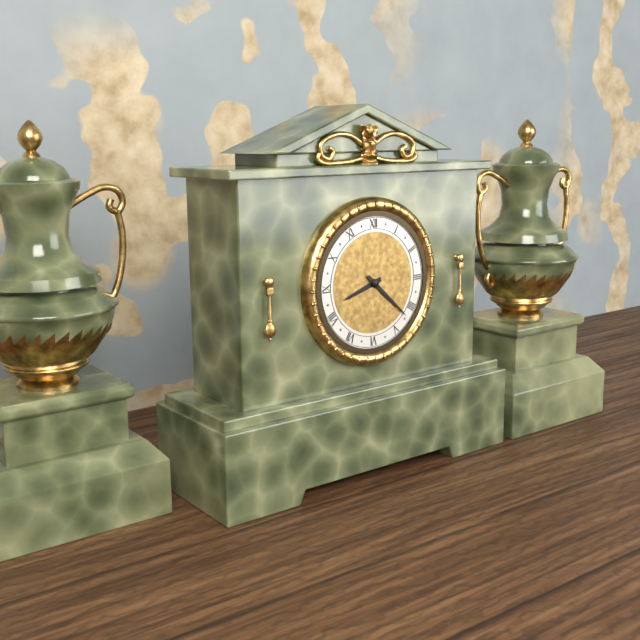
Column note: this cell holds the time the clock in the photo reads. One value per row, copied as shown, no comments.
8:22
